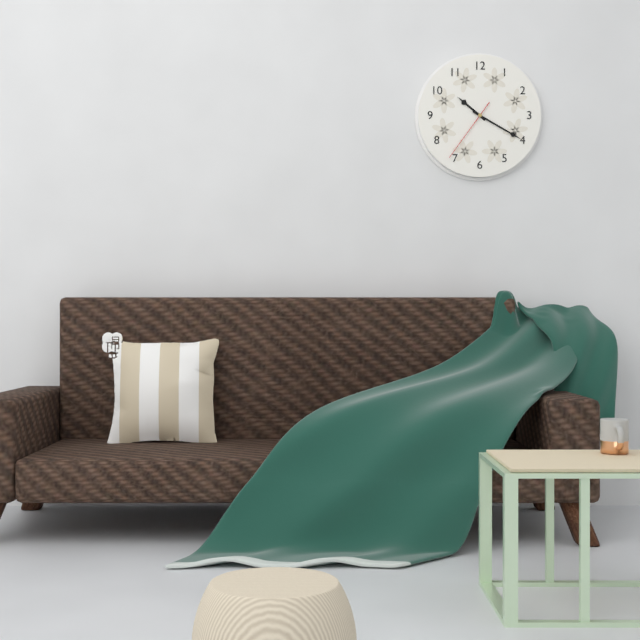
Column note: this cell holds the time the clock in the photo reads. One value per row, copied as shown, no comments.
10:20:36
